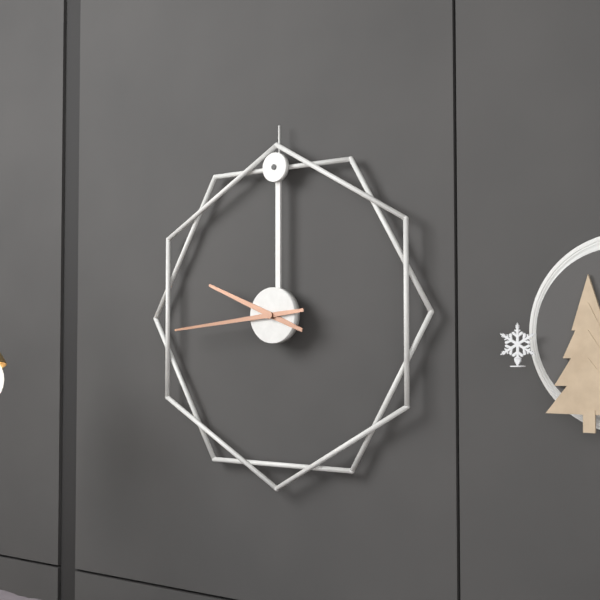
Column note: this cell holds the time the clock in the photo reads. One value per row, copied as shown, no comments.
9:44
